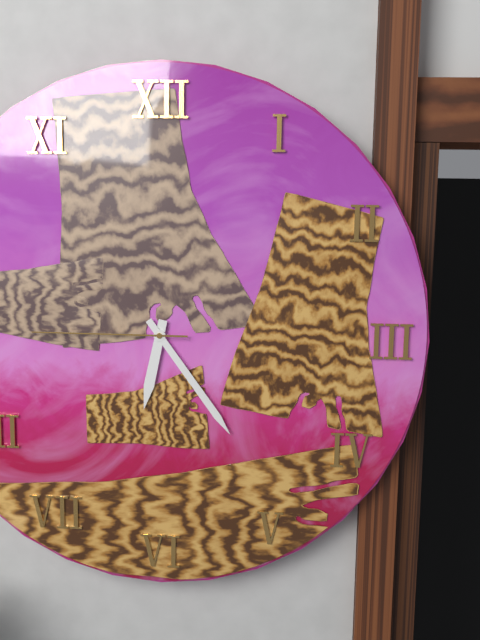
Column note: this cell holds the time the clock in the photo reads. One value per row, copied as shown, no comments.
6:24:45
